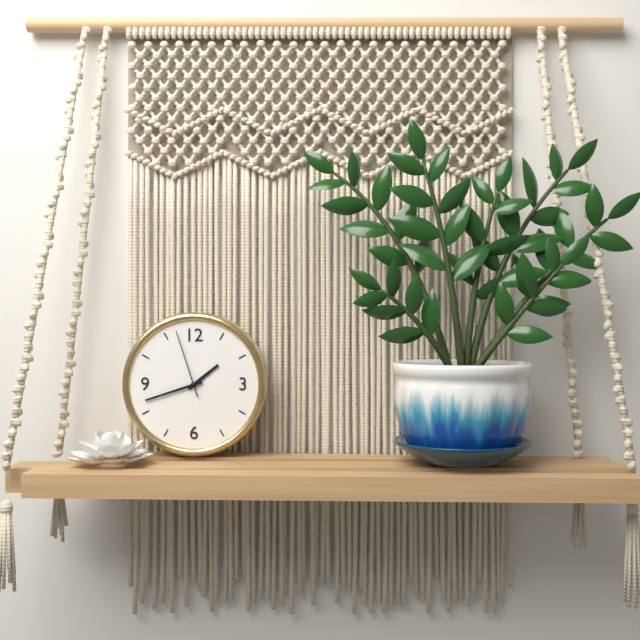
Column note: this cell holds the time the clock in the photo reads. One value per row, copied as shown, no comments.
1:42:57
